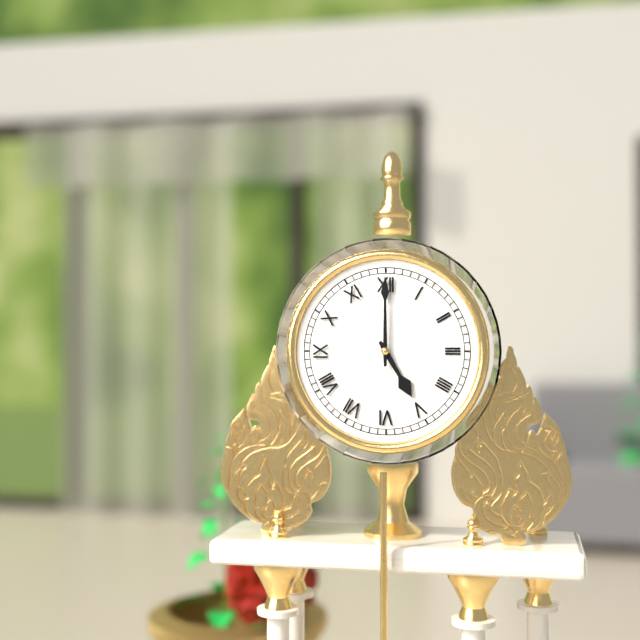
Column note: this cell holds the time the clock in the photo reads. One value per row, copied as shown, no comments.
5:00
